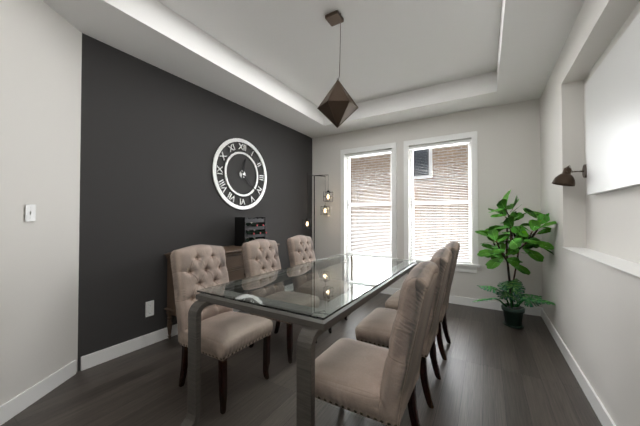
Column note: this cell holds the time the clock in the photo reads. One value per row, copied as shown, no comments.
12:22
